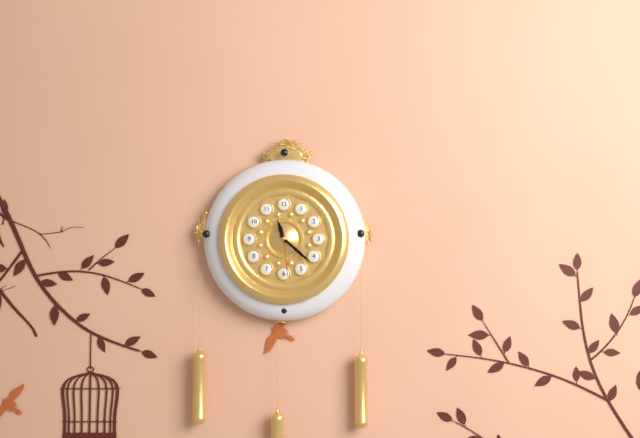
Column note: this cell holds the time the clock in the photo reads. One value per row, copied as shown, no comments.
11:22
